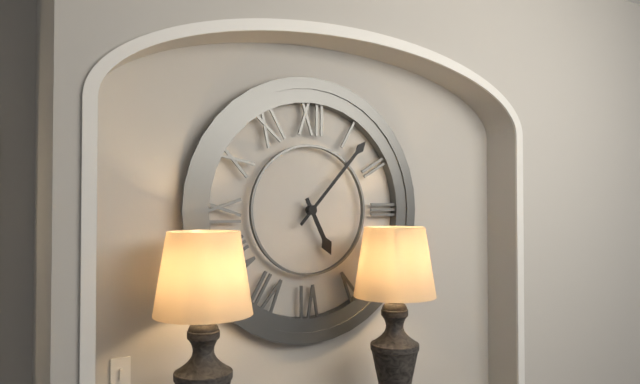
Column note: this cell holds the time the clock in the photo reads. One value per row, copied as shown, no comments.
5:07
